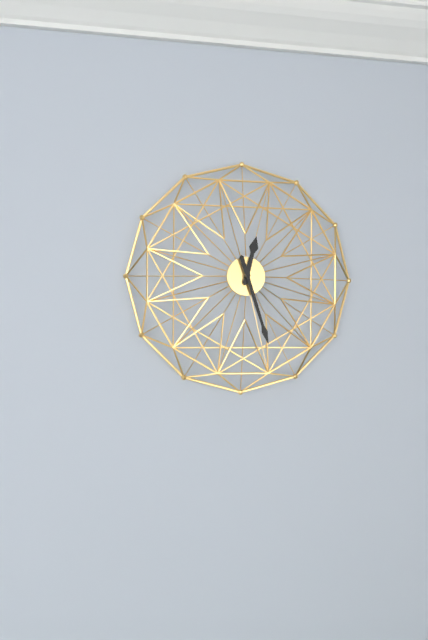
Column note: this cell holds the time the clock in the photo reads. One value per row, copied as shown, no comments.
12:27
